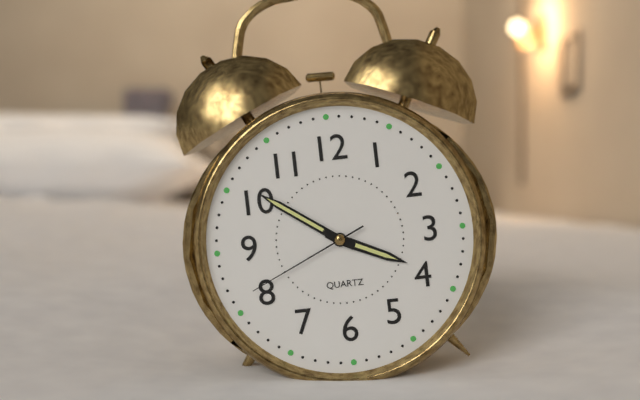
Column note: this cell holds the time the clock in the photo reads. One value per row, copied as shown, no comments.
3:51:41
